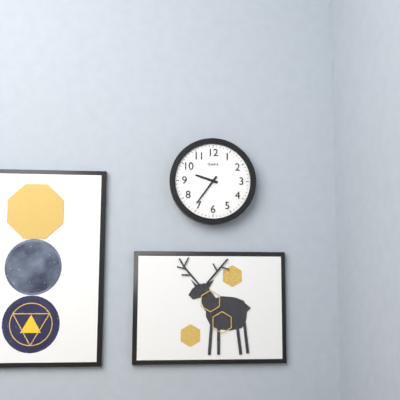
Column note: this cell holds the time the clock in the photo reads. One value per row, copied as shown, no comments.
9:36
